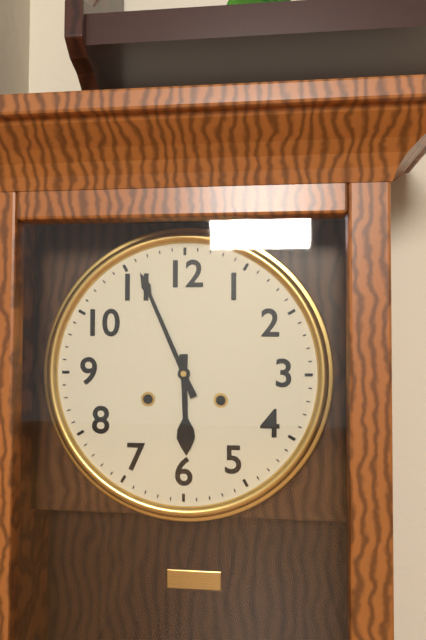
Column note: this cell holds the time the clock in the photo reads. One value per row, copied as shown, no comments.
5:56
